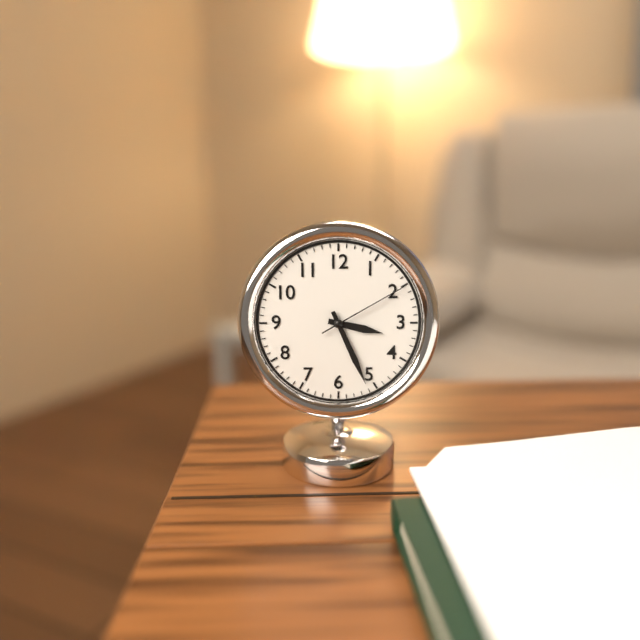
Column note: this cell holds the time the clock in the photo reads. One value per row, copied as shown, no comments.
3:26:10
